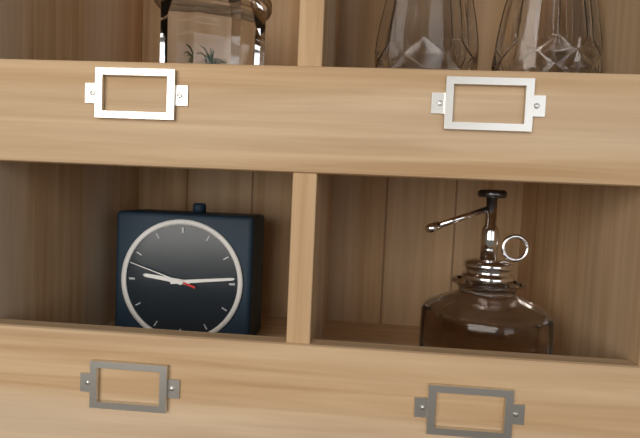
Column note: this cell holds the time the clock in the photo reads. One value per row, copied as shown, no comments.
9:14:48
